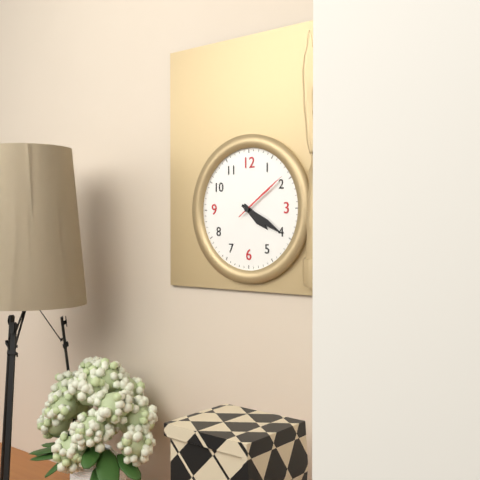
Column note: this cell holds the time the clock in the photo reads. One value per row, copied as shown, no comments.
4:20:09
